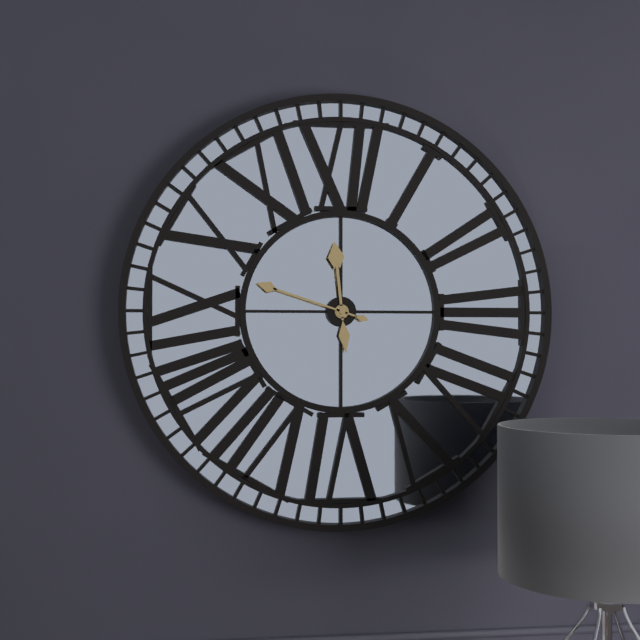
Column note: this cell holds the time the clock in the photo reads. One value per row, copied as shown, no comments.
11:48
